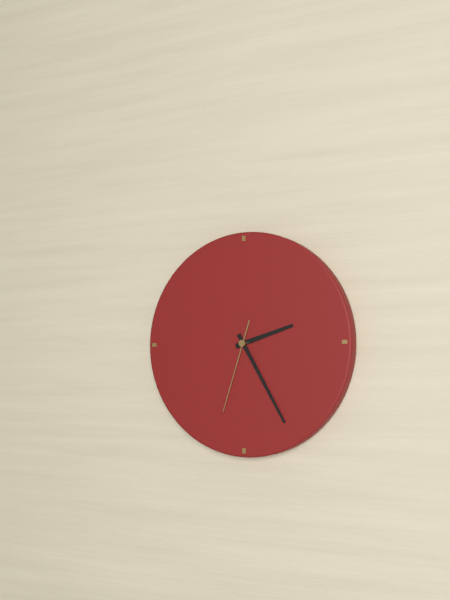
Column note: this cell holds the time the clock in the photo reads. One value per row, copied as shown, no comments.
2:25:33
